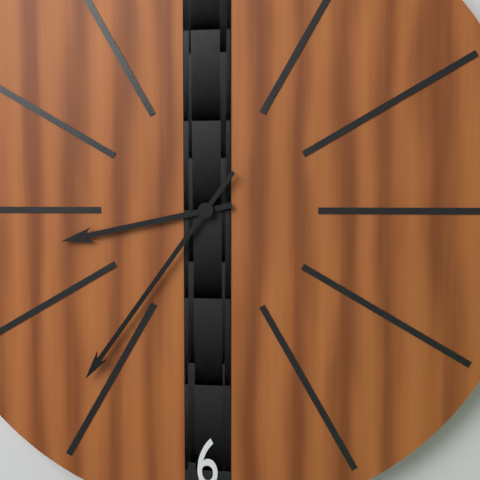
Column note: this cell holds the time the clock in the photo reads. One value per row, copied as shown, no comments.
8:36
